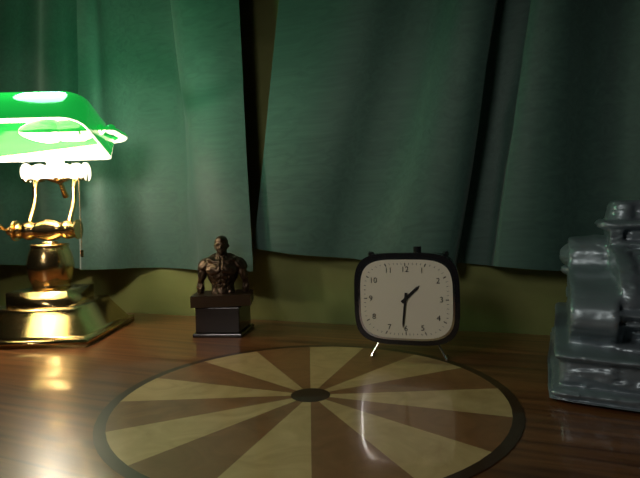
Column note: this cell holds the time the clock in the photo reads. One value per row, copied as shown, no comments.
1:31
